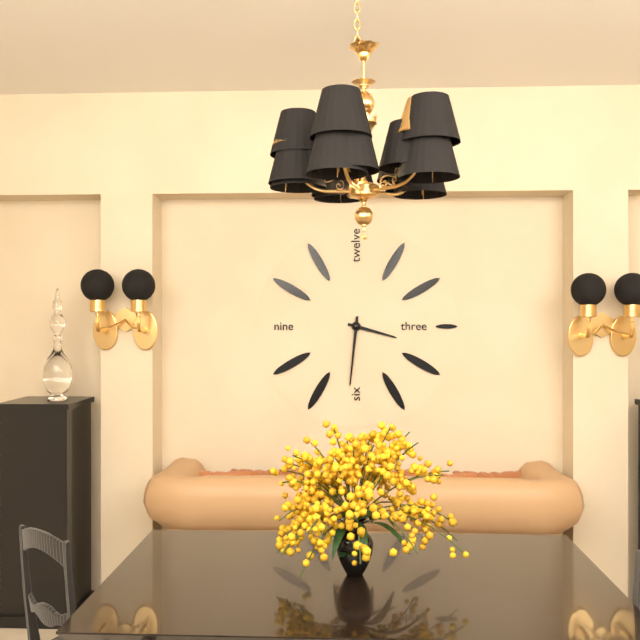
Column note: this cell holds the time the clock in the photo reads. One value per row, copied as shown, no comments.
3:31
